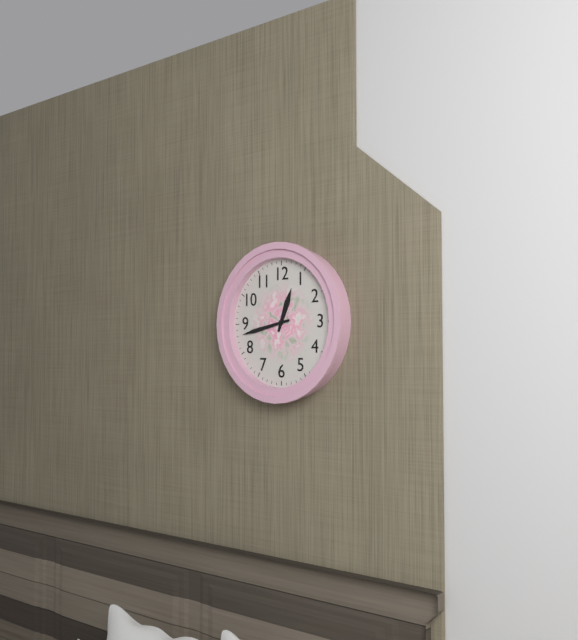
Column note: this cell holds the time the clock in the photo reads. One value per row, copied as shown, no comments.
12:43
